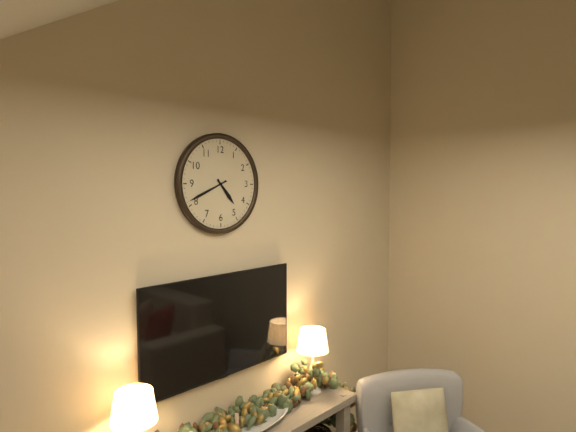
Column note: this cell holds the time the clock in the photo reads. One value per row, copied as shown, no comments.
4:41
